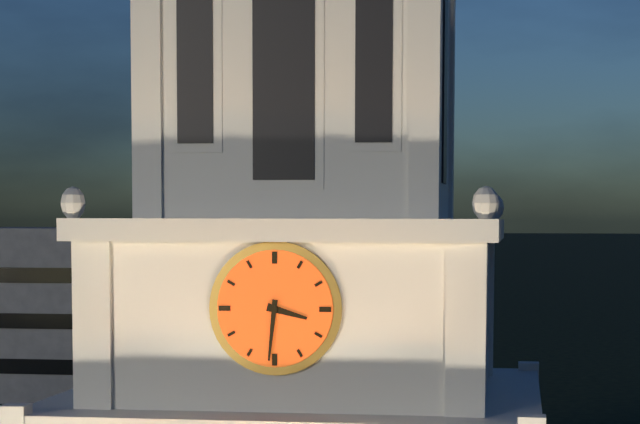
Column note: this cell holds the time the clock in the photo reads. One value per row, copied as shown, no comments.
3:31
